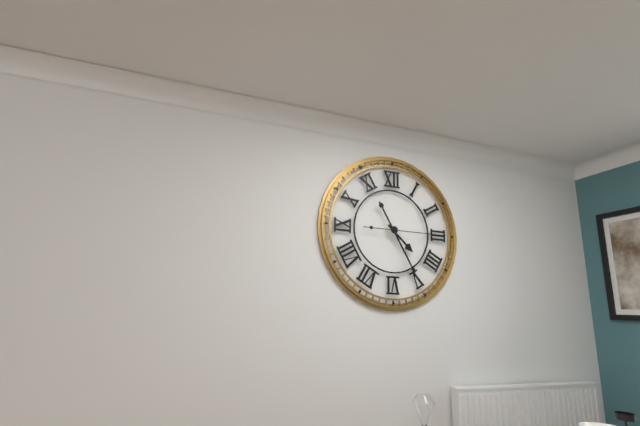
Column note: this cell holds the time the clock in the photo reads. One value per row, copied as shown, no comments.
4:25:15
